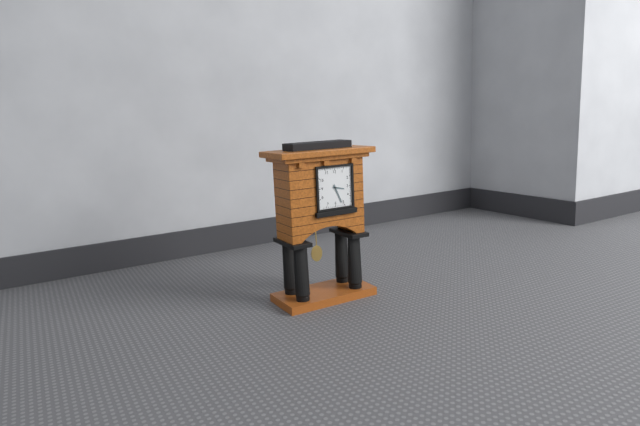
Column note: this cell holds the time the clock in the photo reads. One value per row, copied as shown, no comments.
3:26
